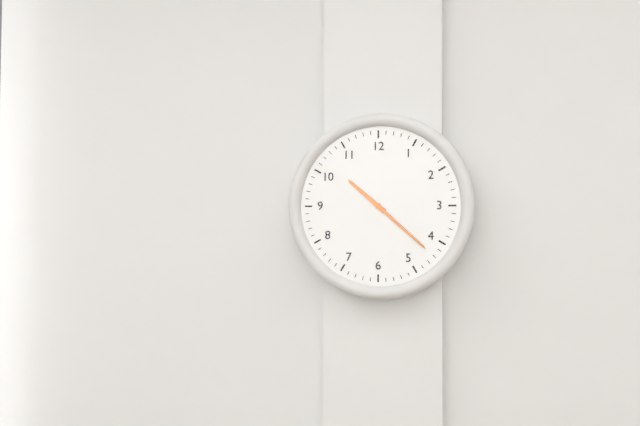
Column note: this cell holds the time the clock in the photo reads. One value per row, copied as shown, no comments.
10:22
